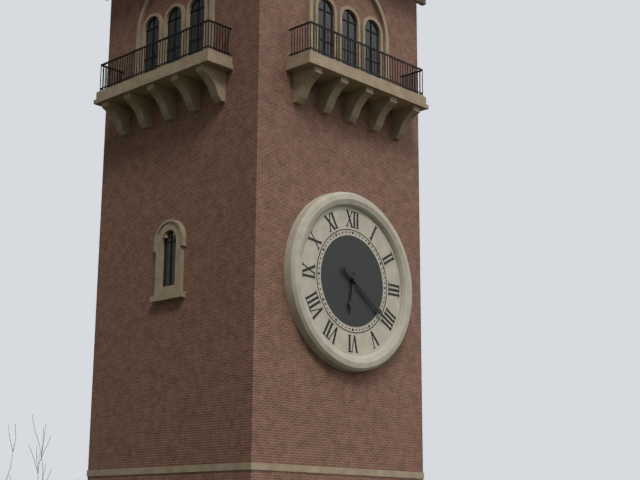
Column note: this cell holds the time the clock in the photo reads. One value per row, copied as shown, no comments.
6:21
